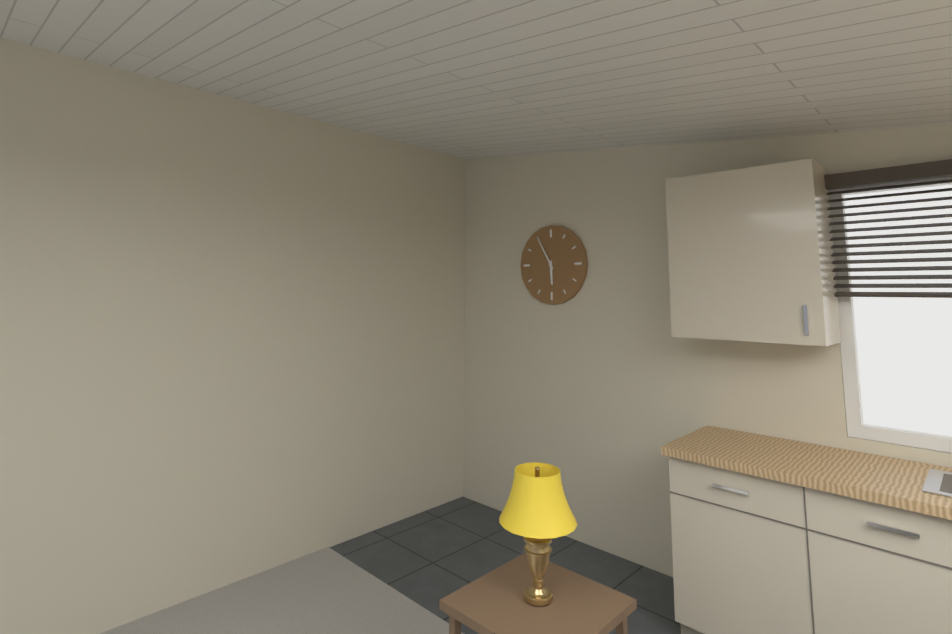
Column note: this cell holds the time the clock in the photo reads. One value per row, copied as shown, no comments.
5:55
